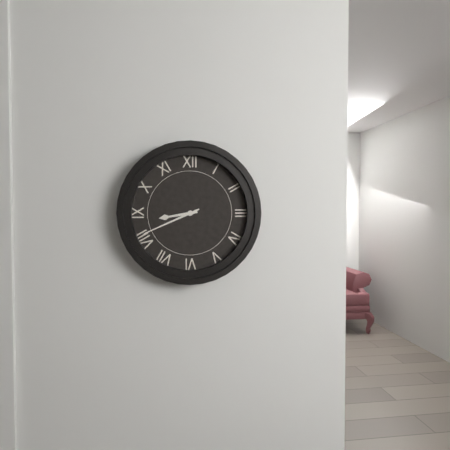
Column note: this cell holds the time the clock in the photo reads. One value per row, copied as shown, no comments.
8:41
